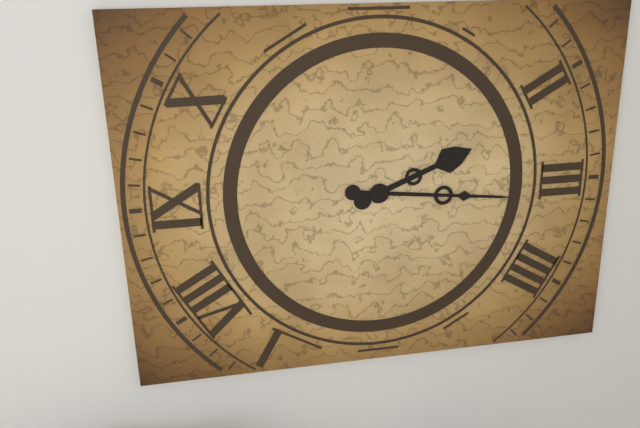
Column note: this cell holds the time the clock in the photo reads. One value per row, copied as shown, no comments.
2:16
